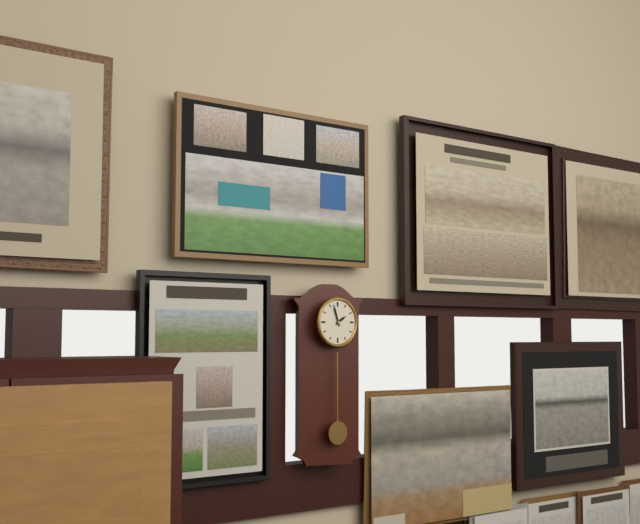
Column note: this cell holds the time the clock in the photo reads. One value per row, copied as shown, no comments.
1:57
